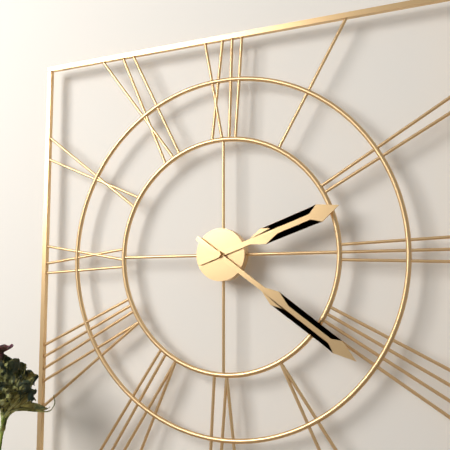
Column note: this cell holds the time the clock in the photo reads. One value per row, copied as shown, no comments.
2:21
